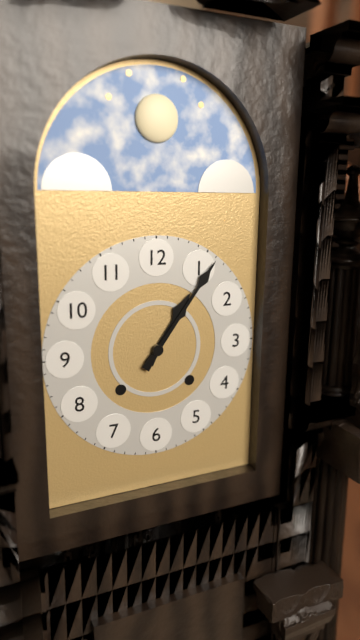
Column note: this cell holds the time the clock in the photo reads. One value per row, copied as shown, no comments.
1:06
